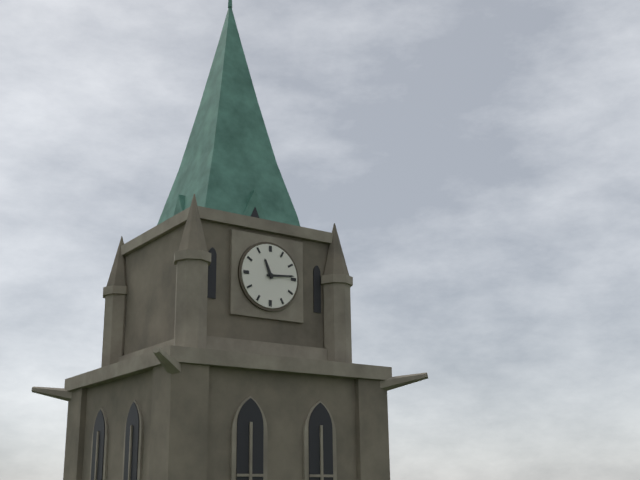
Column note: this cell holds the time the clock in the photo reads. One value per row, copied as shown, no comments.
11:14
